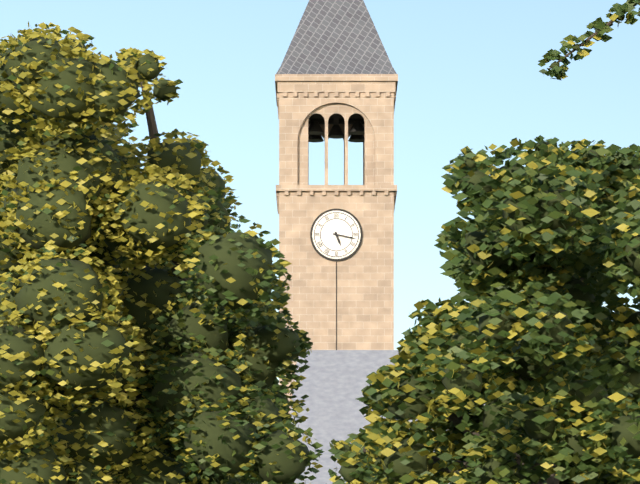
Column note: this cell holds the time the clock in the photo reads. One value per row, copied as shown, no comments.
5:17
